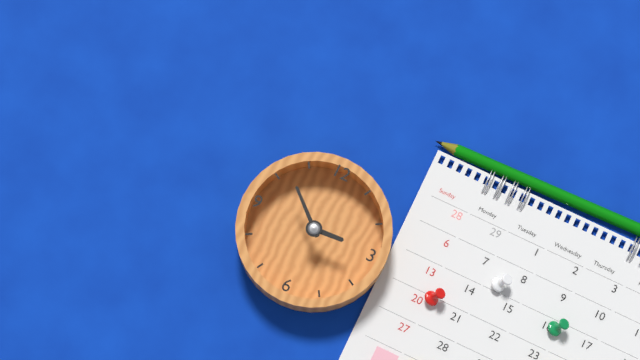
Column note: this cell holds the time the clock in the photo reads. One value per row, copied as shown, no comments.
2:52
